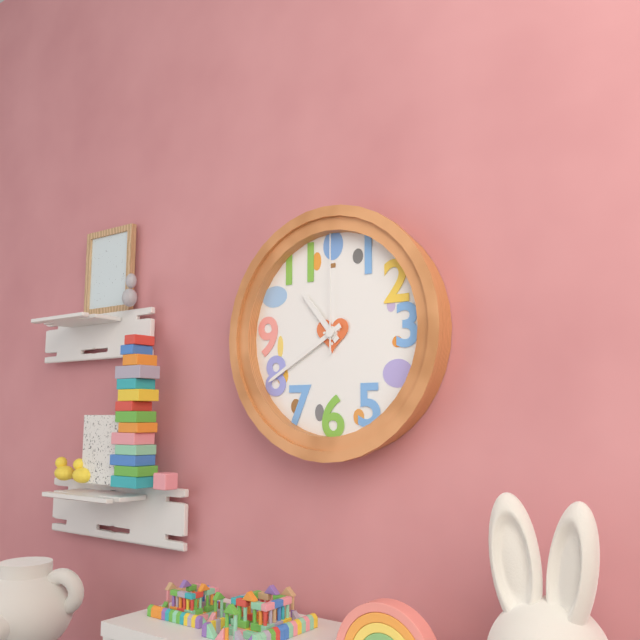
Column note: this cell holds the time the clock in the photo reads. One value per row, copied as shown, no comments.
10:40:00
